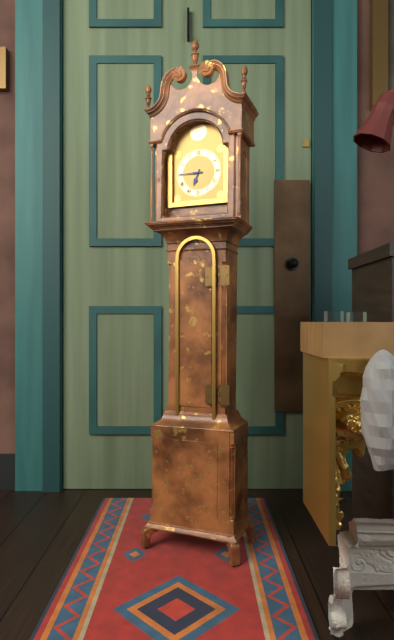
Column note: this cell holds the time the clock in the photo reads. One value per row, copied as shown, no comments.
6:45
